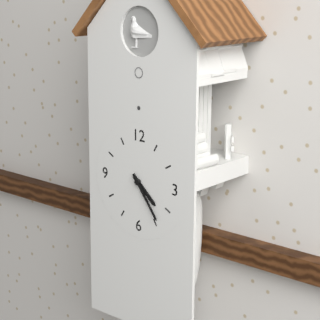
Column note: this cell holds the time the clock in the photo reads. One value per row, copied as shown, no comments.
4:24
